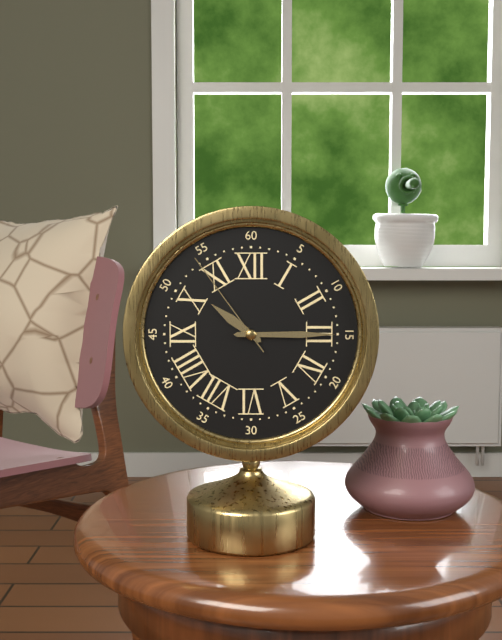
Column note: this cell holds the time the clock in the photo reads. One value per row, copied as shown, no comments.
10:15:54
